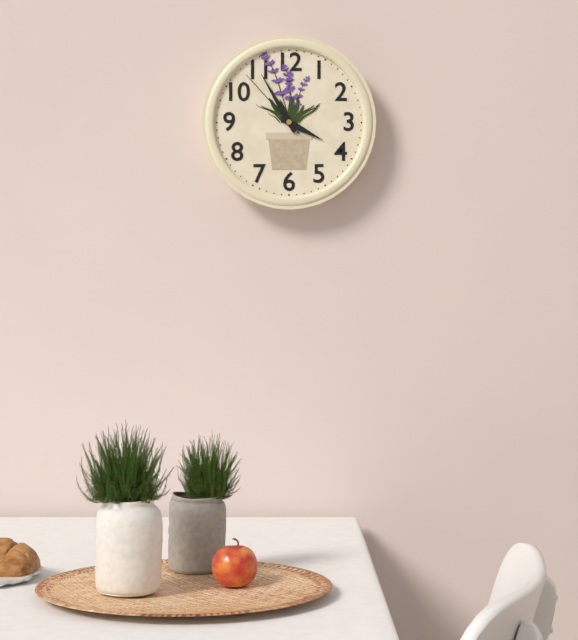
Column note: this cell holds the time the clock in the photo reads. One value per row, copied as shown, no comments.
3:55:53
